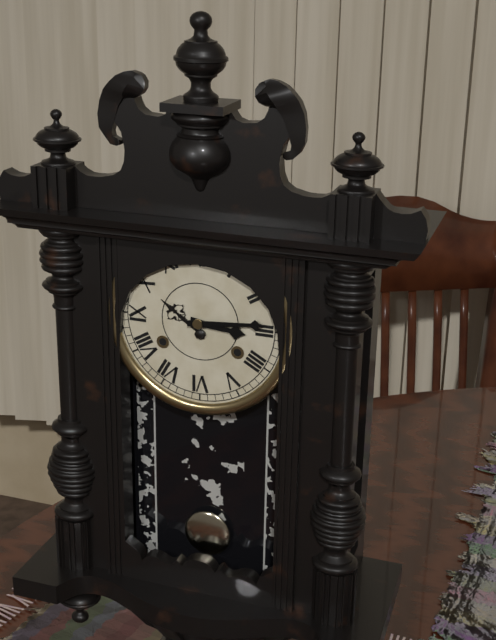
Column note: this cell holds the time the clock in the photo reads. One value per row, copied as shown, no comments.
3:14
